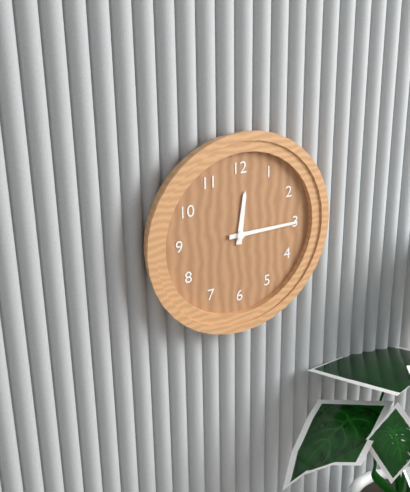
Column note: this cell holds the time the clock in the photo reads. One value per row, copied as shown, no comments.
12:15
